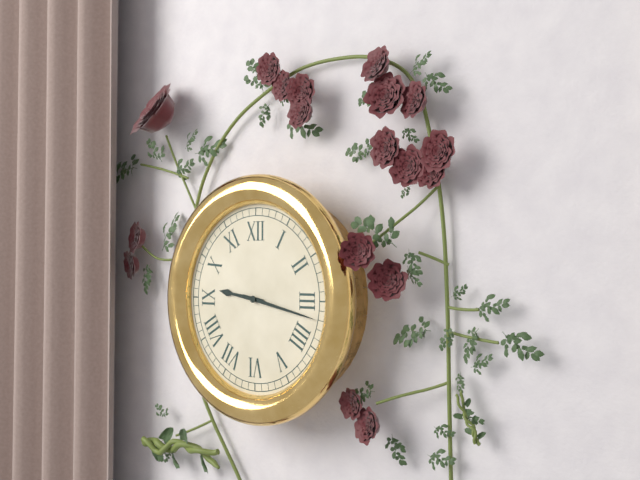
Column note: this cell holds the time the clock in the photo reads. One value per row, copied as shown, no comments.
9:17
